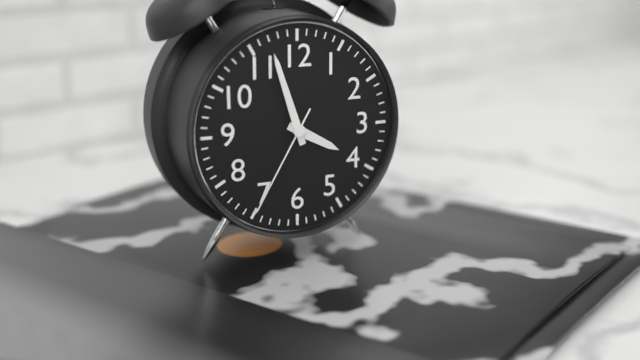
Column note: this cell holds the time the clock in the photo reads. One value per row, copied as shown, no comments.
3:57:35
